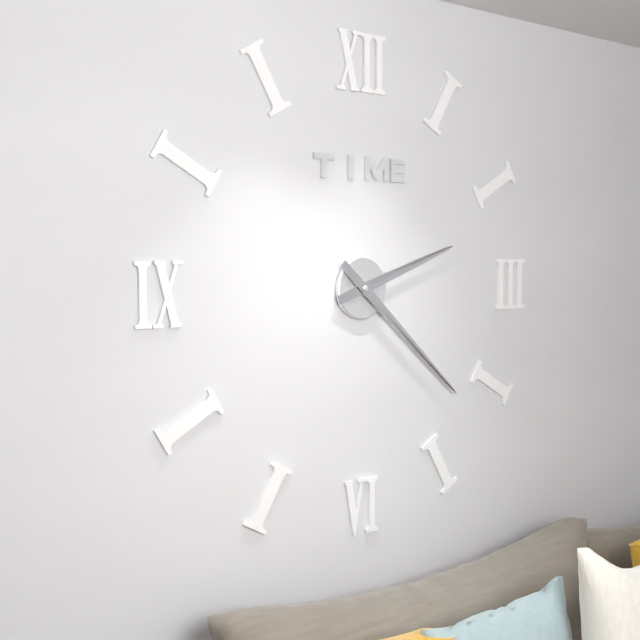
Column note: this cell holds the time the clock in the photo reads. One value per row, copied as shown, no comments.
2:22
